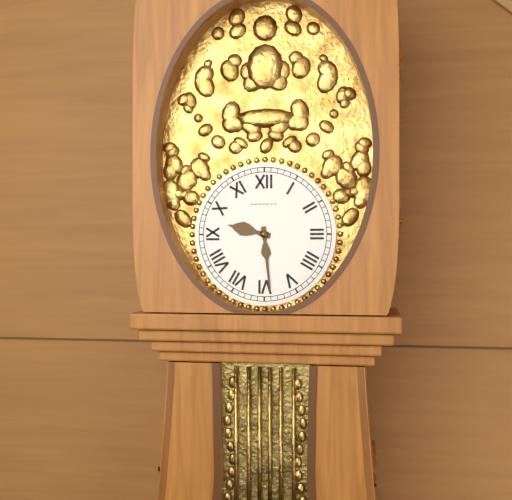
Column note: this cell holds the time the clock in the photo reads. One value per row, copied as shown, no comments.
9:29
